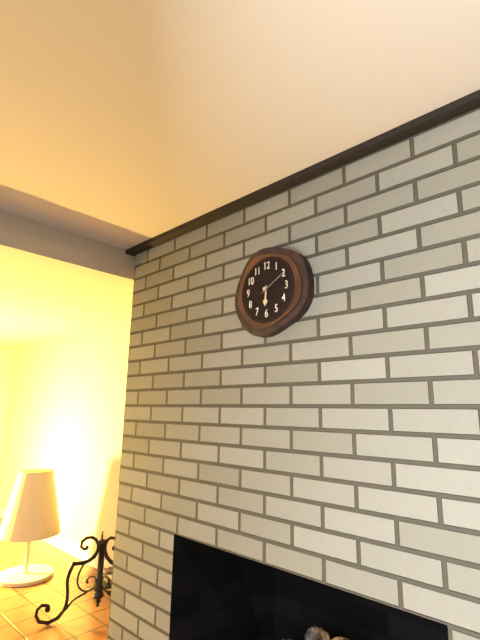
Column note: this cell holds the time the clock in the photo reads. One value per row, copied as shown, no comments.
6:10
